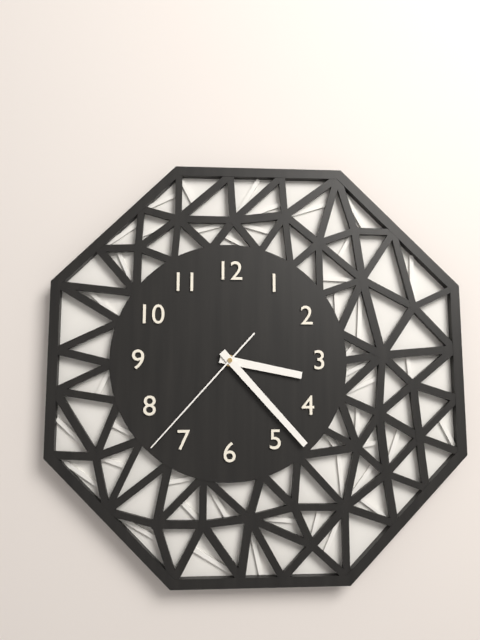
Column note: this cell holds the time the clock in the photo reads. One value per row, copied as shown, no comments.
3:23:37
